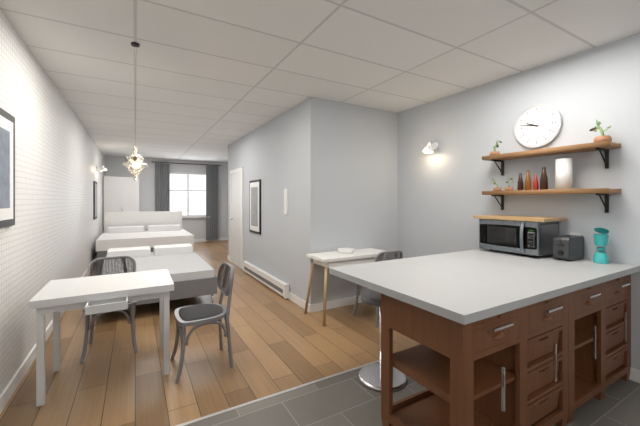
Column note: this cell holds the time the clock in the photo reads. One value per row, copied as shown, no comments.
9:47
